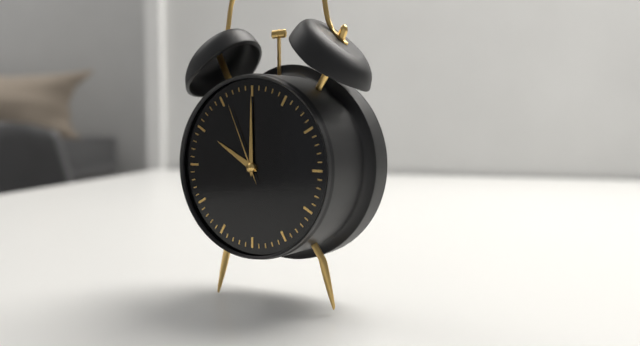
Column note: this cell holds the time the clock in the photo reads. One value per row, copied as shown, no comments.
10:00:56
